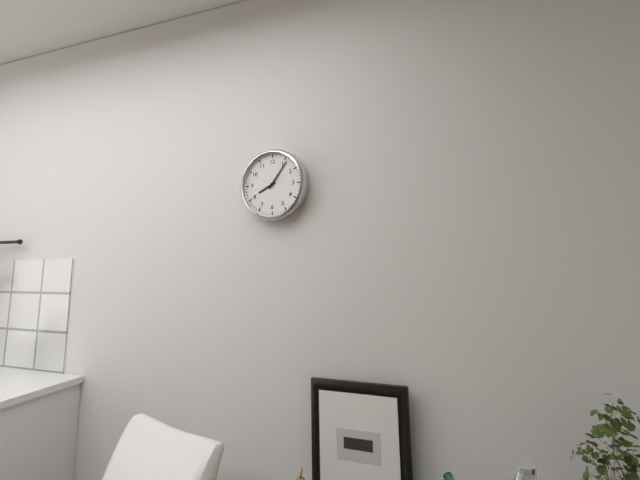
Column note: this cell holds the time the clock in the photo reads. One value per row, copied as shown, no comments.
8:06
